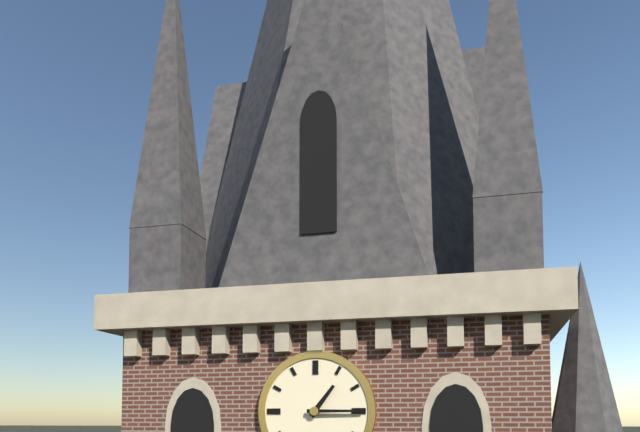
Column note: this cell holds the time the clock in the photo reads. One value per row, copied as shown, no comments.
1:15
